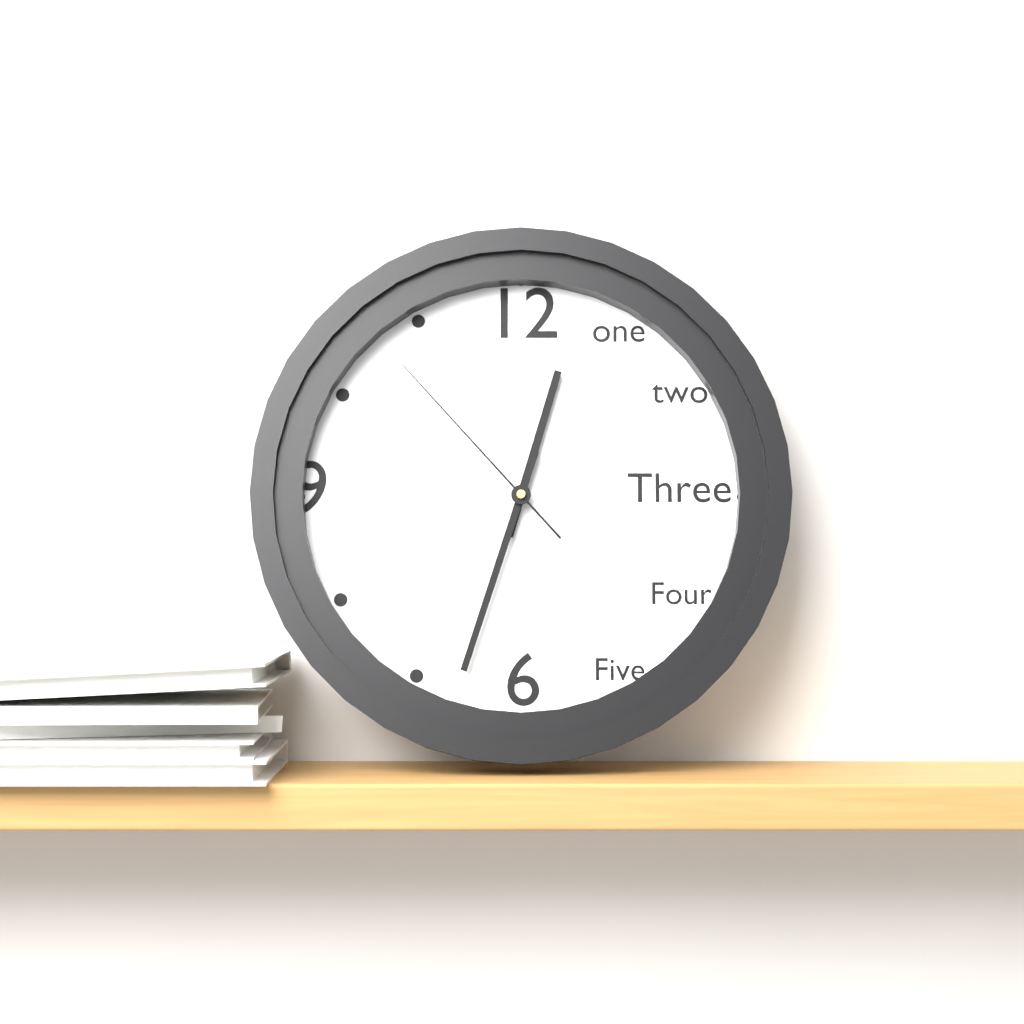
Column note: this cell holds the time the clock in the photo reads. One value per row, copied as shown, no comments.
12:33:53
